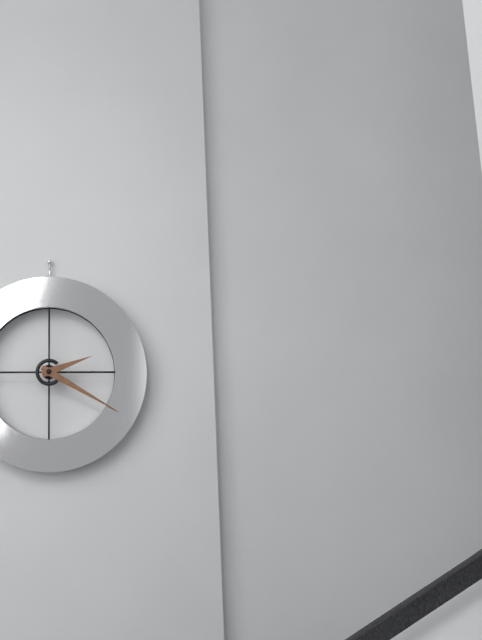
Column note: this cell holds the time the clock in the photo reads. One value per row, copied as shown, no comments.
2:20
